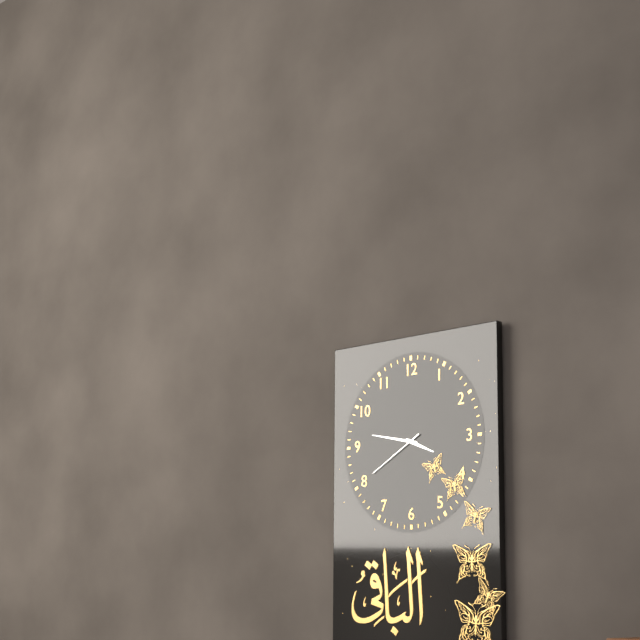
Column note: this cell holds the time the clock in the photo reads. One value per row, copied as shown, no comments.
3:47:40
